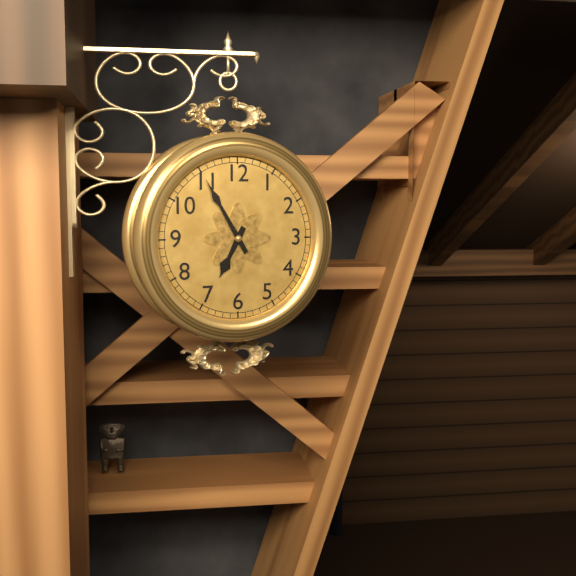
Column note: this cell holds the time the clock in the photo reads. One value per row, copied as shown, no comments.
6:55
